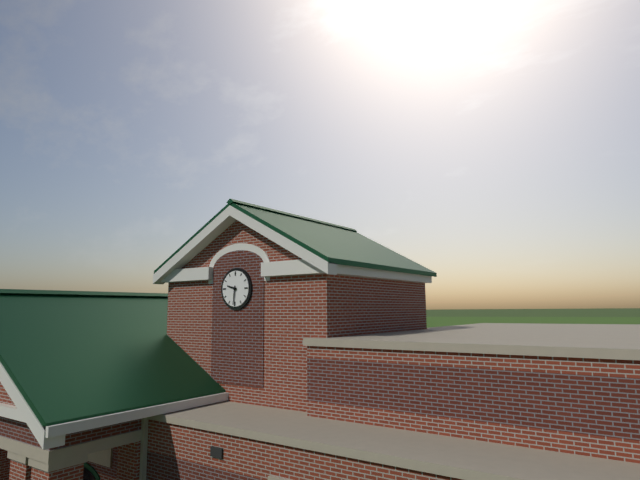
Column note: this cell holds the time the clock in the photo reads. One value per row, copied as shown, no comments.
9:31
